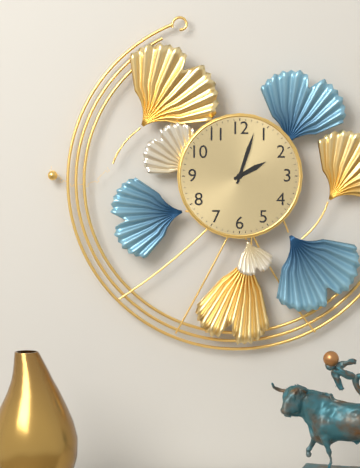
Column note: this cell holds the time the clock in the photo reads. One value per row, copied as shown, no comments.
2:03
